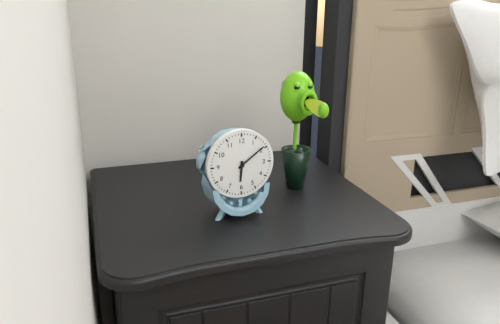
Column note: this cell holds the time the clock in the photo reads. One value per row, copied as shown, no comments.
6:09
